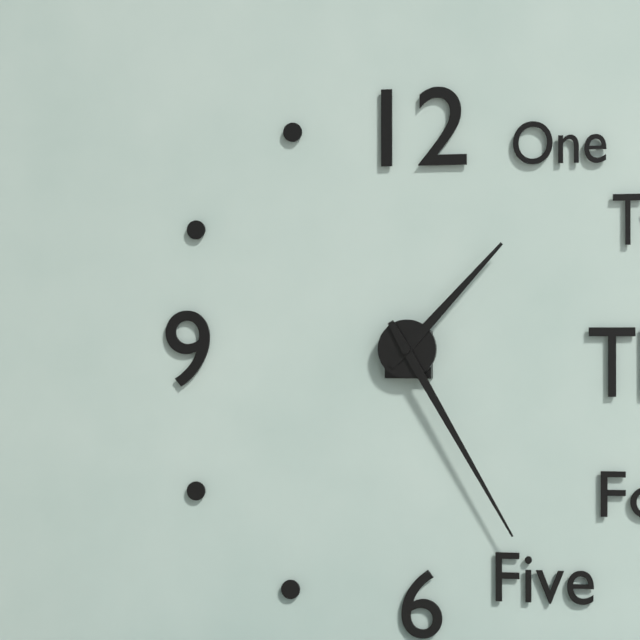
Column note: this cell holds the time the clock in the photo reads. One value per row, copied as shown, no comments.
1:25
